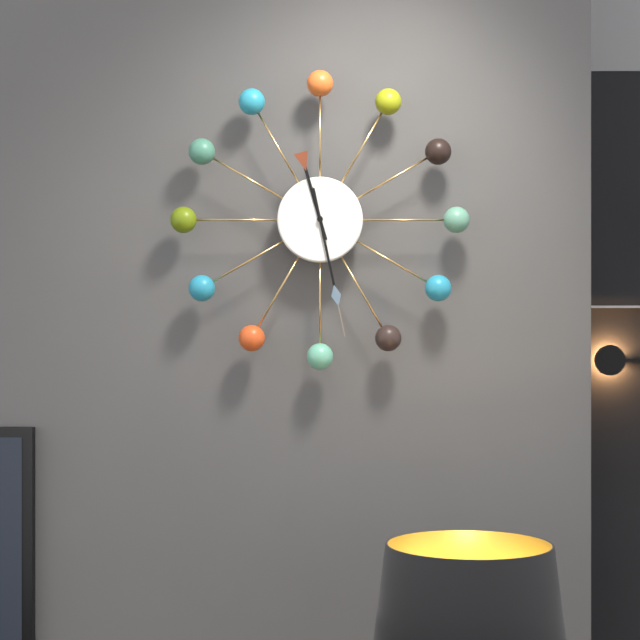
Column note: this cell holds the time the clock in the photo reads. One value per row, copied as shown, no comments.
11:28
